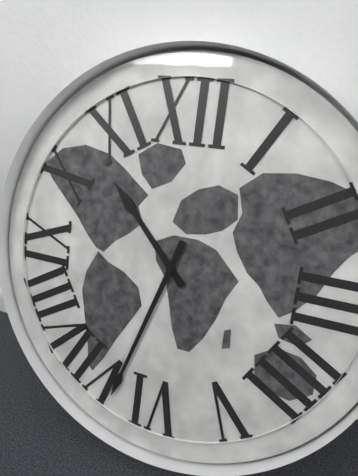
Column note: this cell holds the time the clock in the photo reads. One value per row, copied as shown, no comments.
10:33
